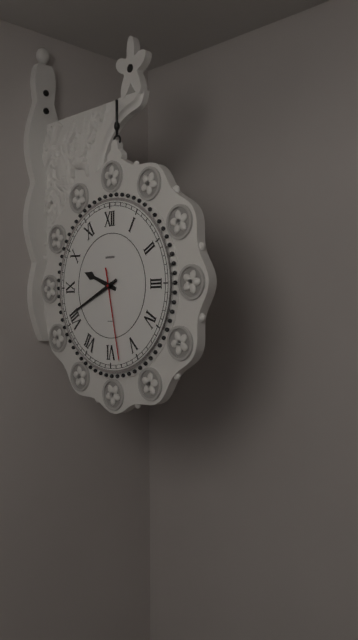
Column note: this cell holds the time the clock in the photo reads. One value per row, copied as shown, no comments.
9:41:28
